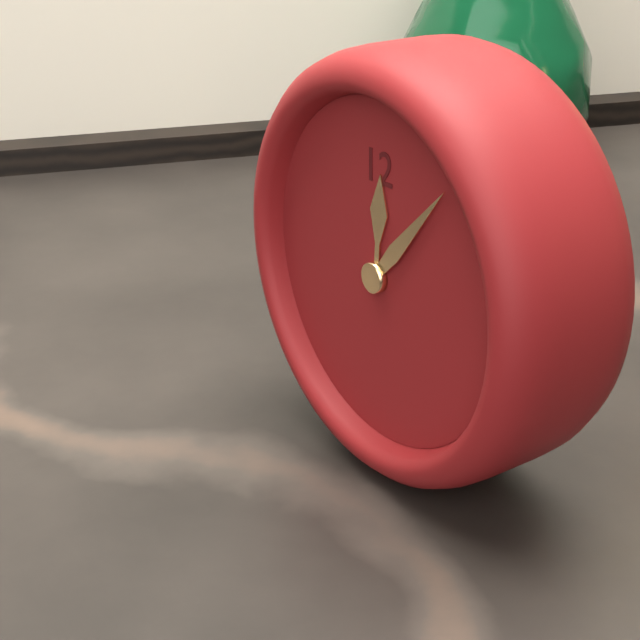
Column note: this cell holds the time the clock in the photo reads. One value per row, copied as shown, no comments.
12:07
